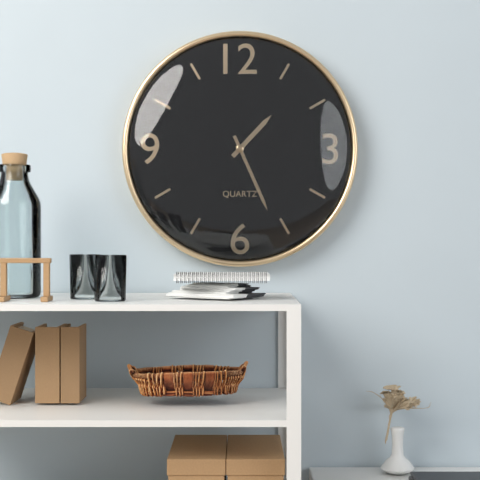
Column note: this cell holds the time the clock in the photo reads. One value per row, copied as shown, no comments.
1:26
